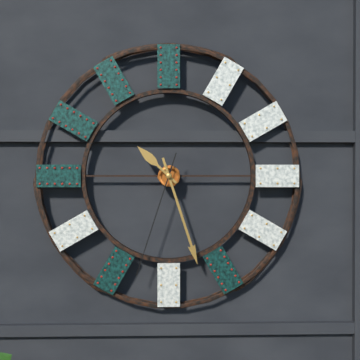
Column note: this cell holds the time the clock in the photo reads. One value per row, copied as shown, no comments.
10:27:33
